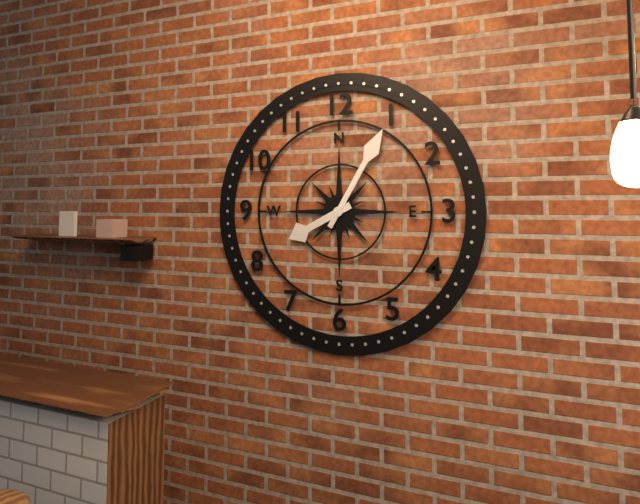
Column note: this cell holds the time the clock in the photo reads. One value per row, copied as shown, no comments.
8:05
